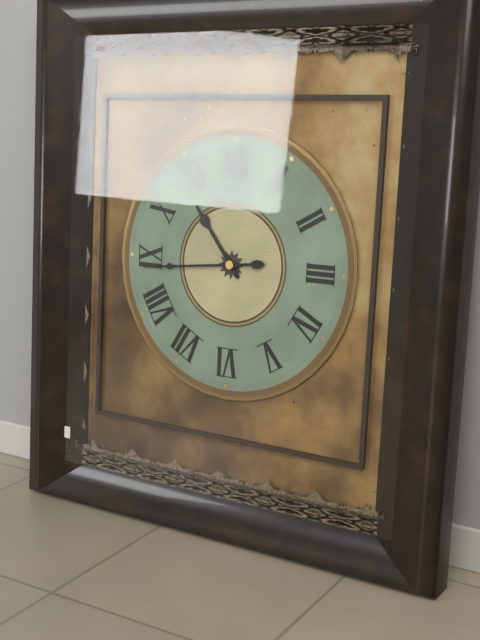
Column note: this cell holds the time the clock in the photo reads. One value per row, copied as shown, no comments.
10:44
